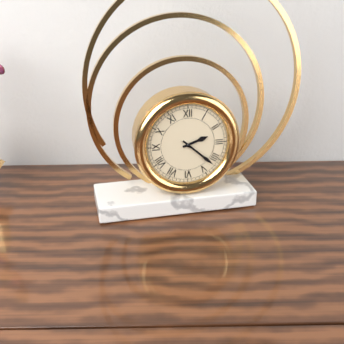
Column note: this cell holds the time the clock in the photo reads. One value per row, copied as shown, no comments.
2:22
